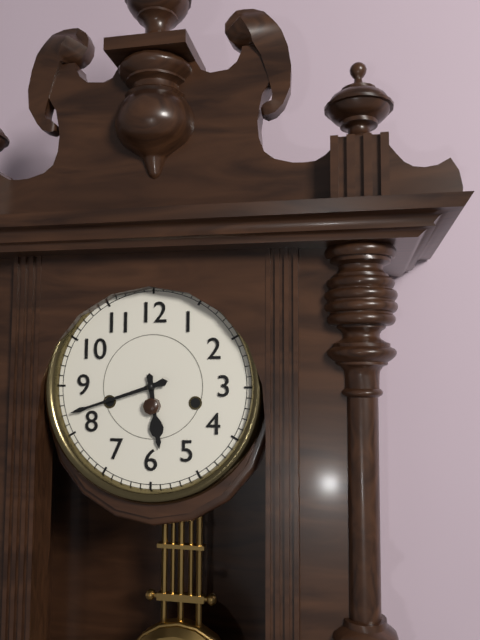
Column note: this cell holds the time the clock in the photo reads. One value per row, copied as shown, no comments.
5:42
